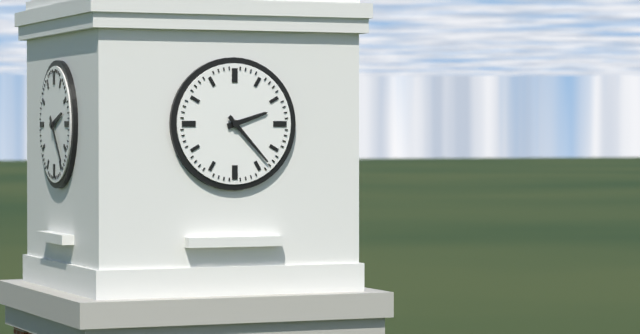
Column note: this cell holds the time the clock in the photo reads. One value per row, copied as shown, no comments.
2:23
